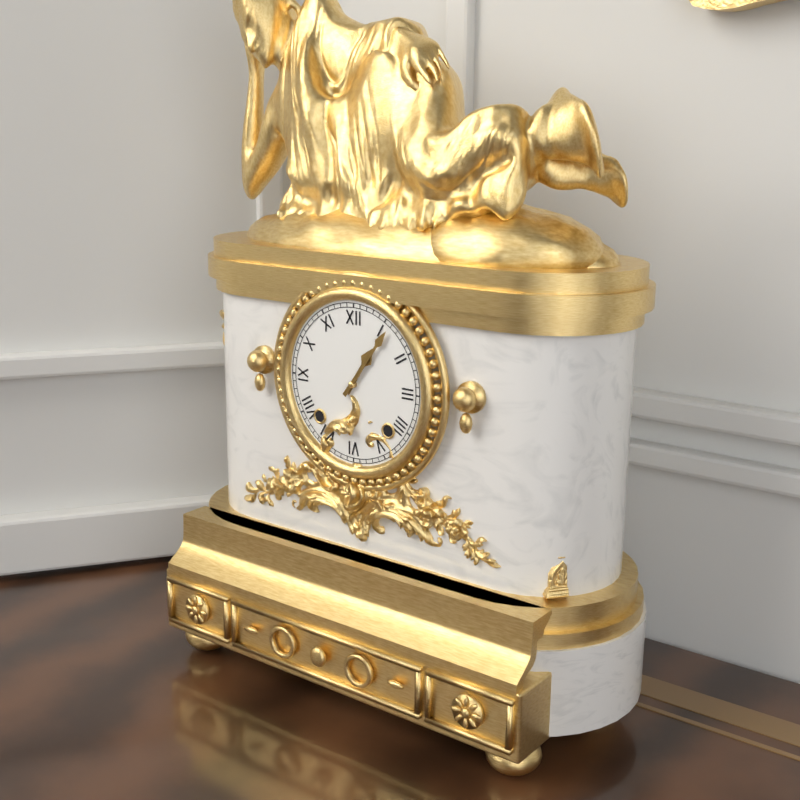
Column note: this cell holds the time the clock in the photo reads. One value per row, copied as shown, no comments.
1:06
